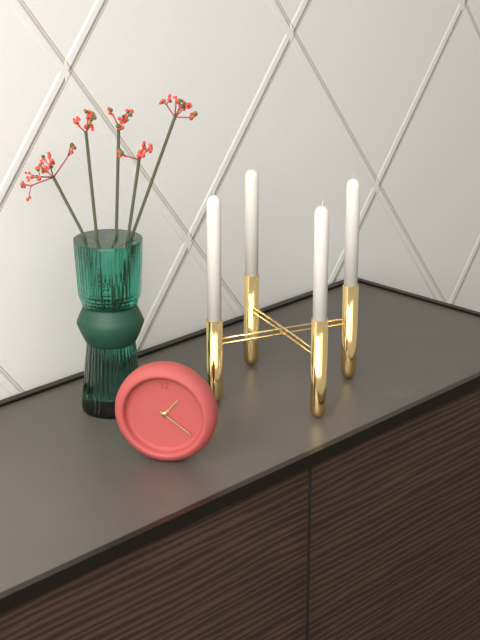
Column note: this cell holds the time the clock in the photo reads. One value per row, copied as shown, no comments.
1:21
